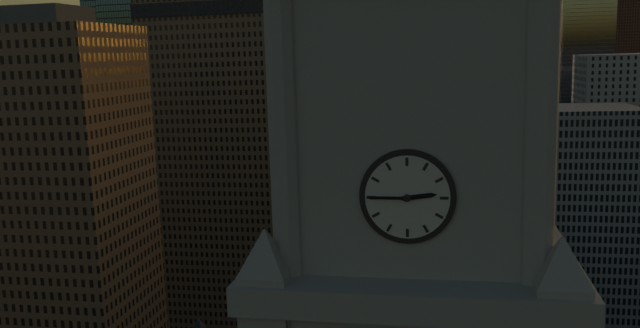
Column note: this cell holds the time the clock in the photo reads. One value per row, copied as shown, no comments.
2:45
